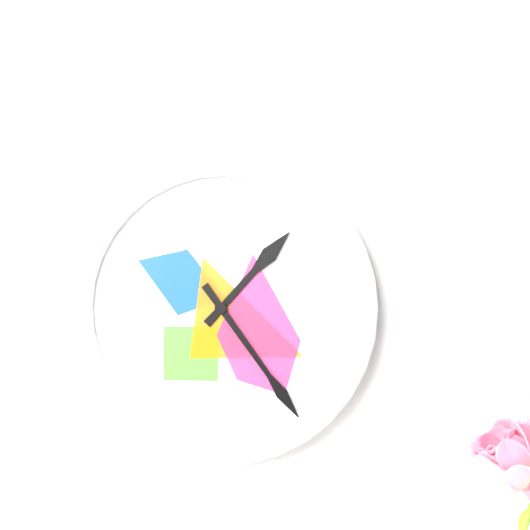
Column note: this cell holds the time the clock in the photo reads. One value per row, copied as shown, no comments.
1:24
